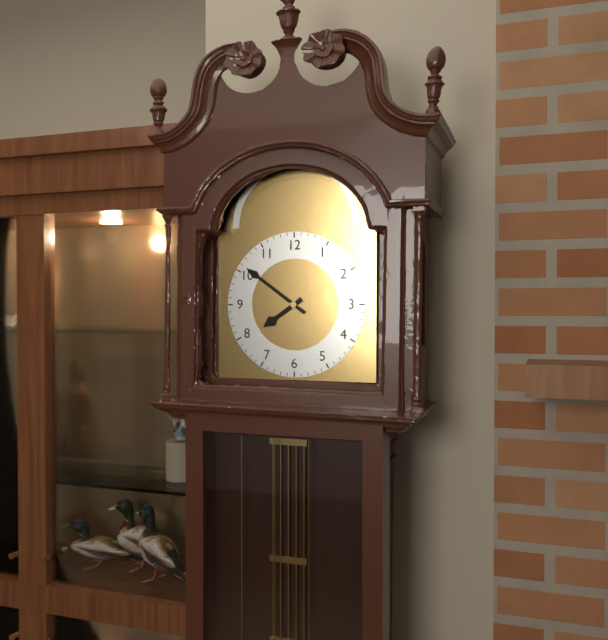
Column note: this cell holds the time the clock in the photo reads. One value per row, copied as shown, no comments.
7:51
